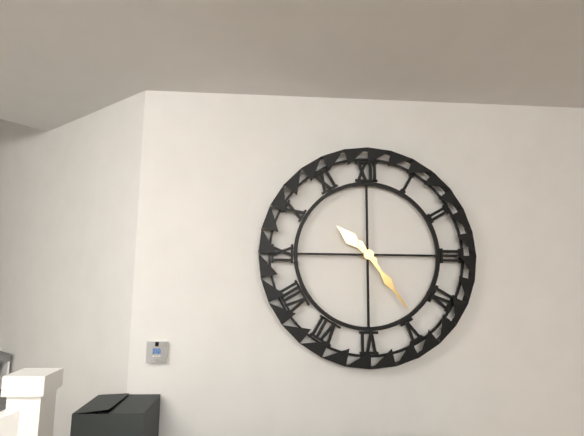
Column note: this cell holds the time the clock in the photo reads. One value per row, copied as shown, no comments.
10:24
